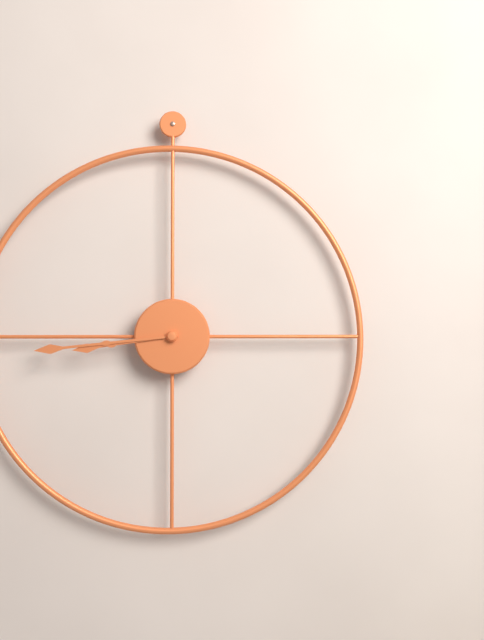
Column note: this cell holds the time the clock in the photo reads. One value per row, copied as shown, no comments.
8:44
